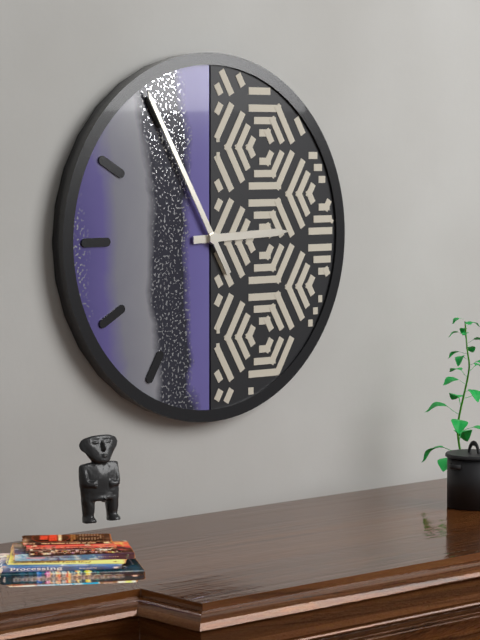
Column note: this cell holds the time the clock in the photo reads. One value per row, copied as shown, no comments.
2:55
